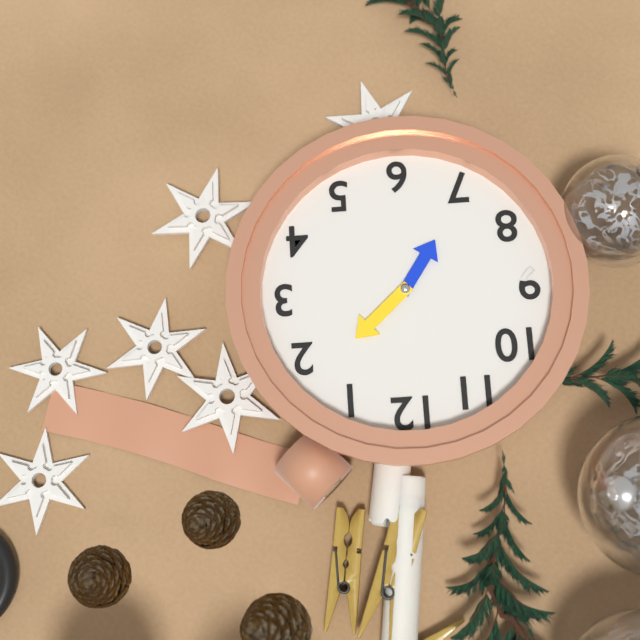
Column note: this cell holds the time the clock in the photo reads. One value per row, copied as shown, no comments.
7:08
